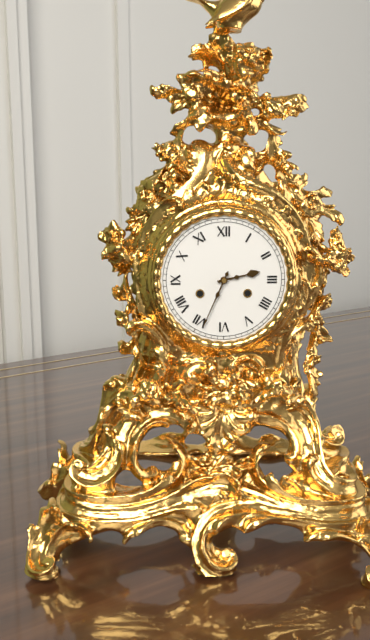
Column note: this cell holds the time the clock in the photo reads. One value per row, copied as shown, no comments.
2:34
